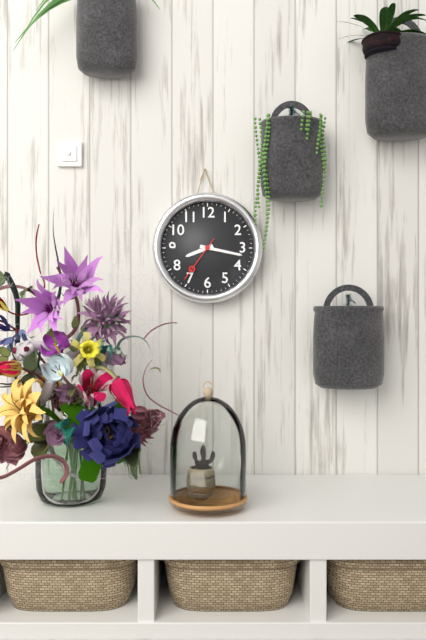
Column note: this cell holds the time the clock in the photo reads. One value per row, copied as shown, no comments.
8:17
